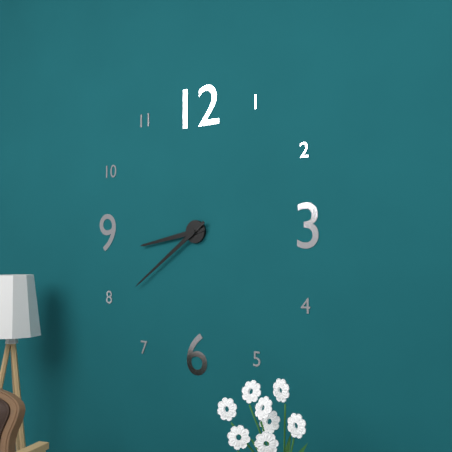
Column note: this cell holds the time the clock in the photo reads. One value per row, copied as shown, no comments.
8:39
